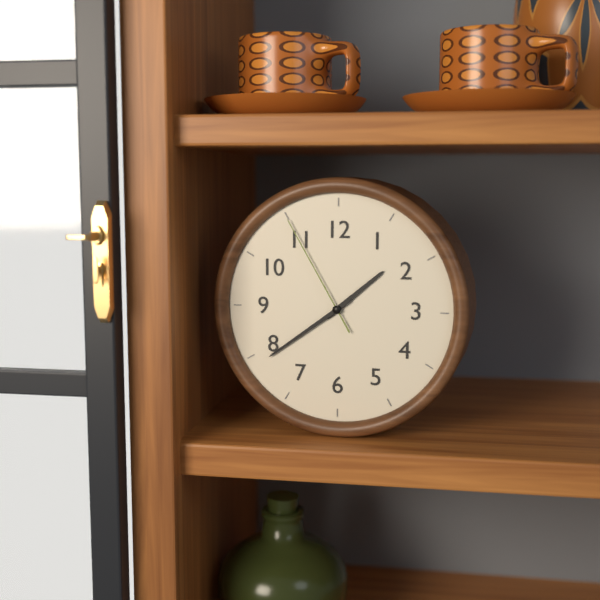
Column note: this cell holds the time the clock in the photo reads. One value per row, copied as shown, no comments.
1:39:55
